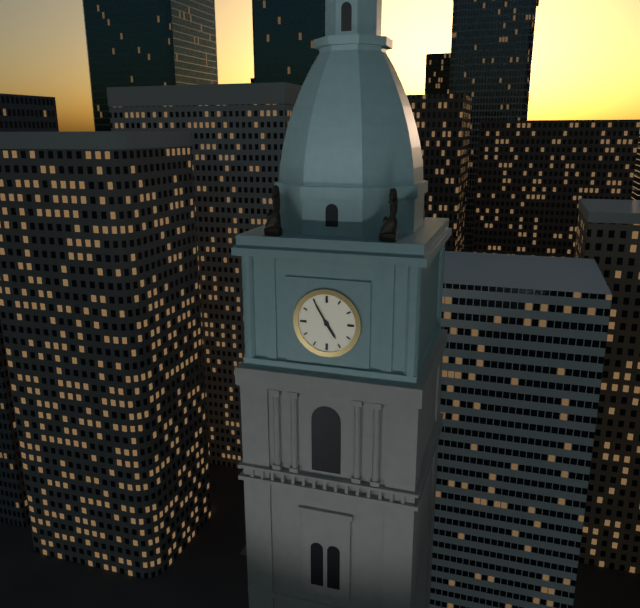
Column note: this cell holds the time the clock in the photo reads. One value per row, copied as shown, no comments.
4:55
